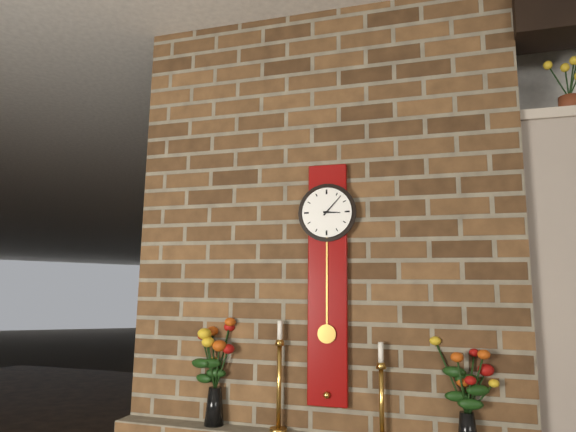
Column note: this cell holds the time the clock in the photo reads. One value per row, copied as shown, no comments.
3:07
